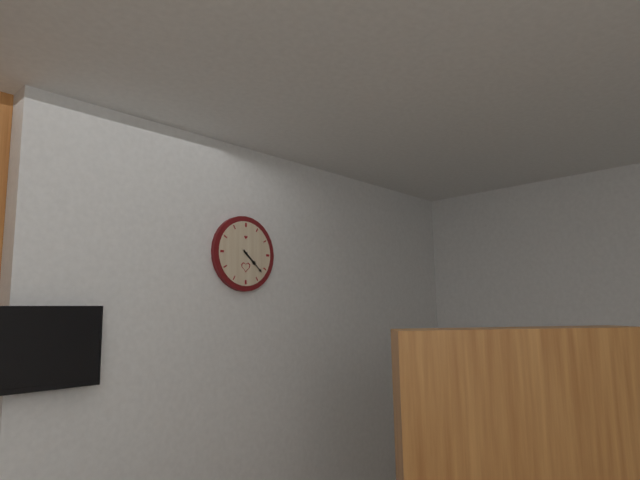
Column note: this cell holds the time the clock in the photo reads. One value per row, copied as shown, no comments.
4:22
